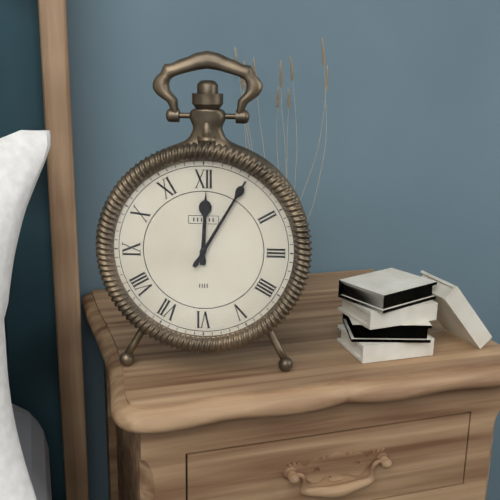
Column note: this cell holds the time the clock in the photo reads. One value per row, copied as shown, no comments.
12:05
